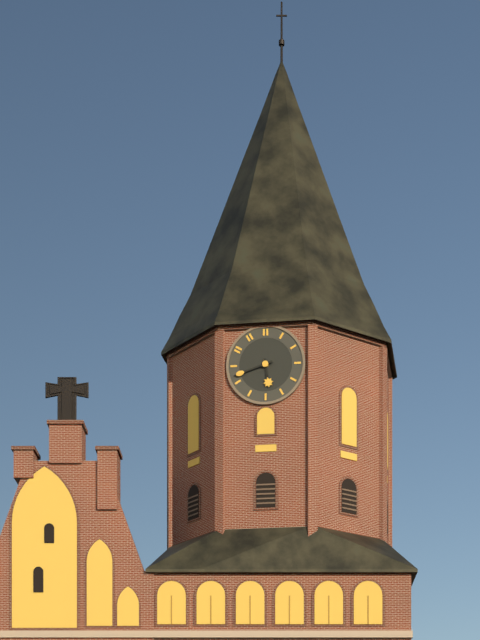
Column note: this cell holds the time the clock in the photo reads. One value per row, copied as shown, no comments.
5:42
